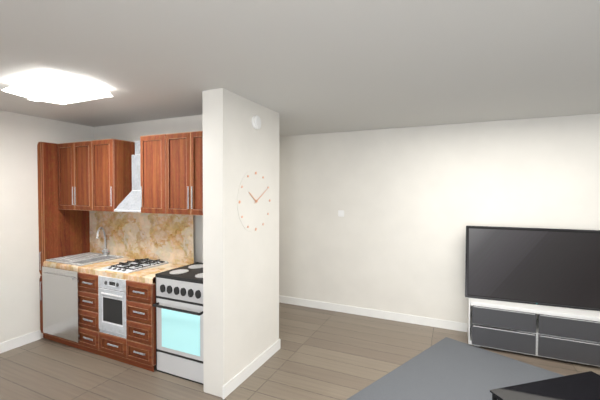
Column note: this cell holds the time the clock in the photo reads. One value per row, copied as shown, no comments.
10:10
